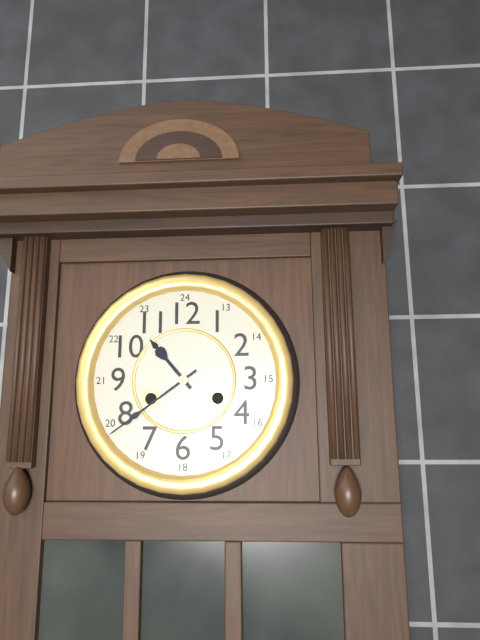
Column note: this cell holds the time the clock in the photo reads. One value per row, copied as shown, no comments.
10:39
